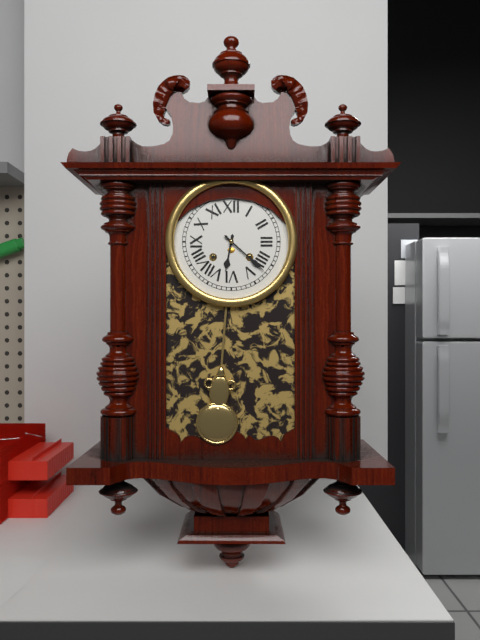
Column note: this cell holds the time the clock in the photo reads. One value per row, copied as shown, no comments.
6:22
